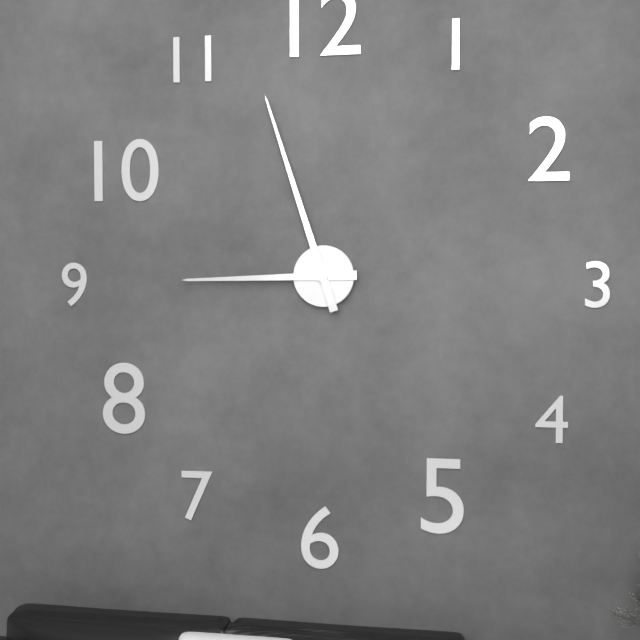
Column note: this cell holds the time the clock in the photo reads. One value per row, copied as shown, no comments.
8:57
